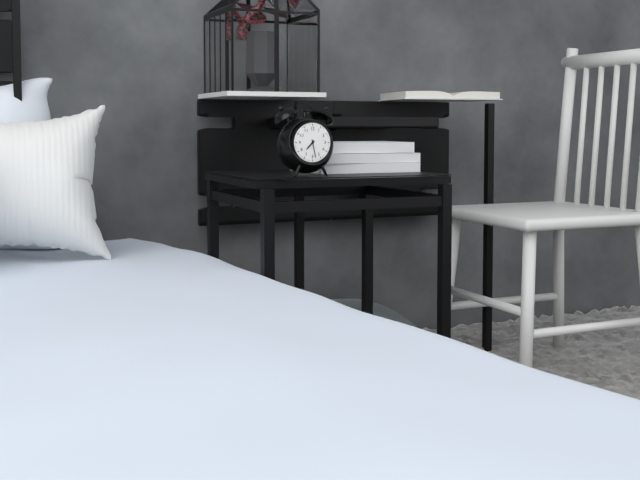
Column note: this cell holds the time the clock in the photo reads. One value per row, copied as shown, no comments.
7:28
